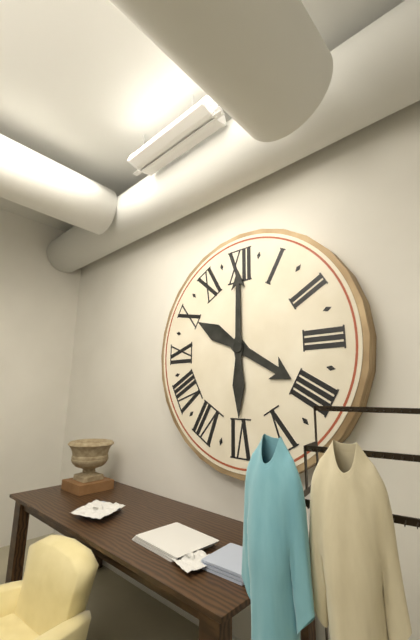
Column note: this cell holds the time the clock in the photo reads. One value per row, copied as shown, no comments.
4:00
